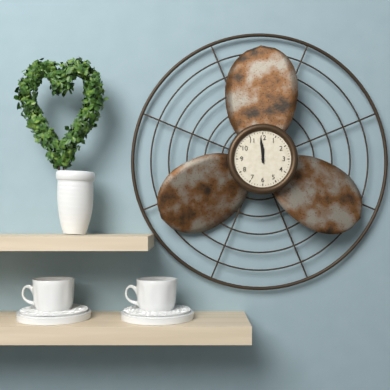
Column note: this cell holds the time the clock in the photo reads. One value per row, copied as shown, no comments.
11:59
